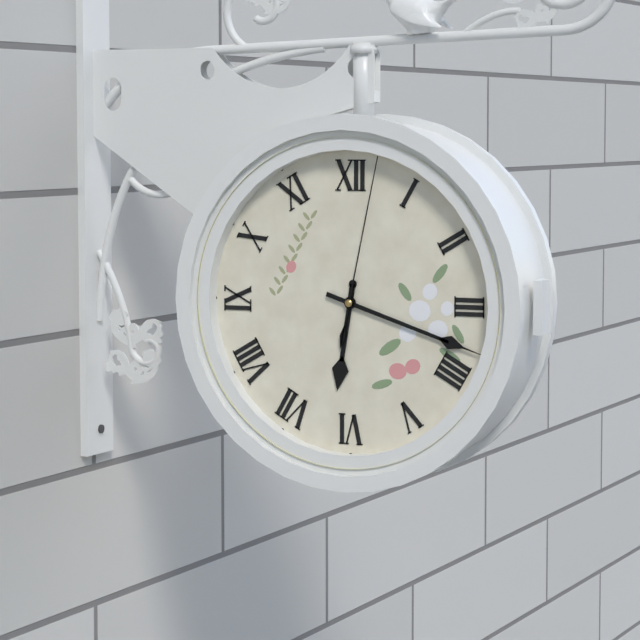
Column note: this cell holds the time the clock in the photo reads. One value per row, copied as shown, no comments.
6:18:02
